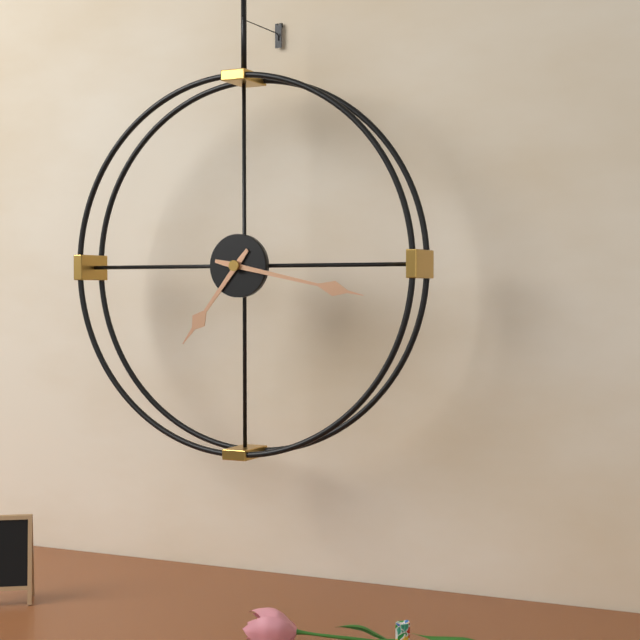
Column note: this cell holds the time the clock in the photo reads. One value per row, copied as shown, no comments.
7:17
